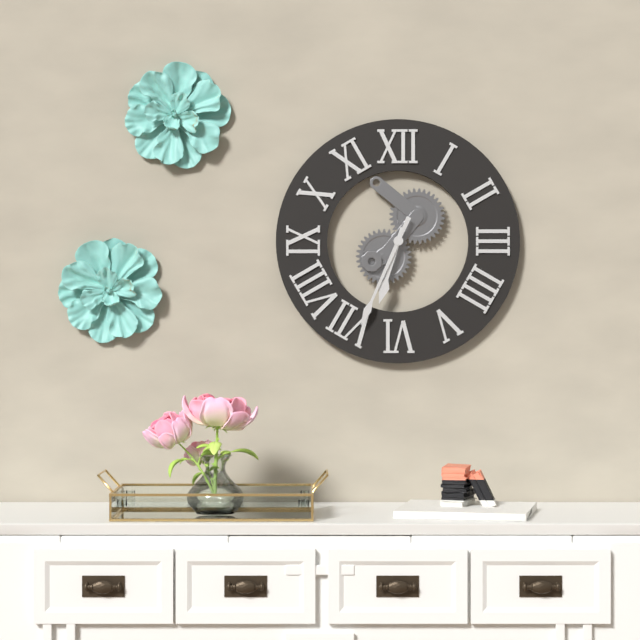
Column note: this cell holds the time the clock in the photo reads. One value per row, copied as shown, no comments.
6:34
